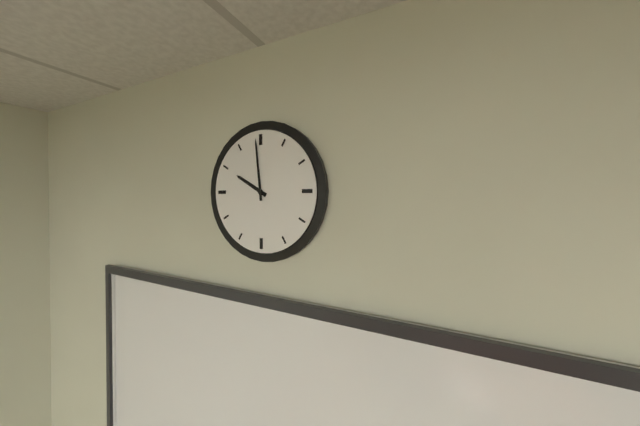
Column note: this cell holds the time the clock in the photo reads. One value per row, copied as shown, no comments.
9:59
